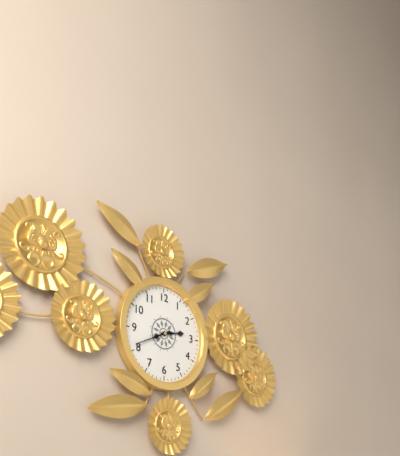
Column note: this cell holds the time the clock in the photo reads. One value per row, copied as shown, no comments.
2:41
